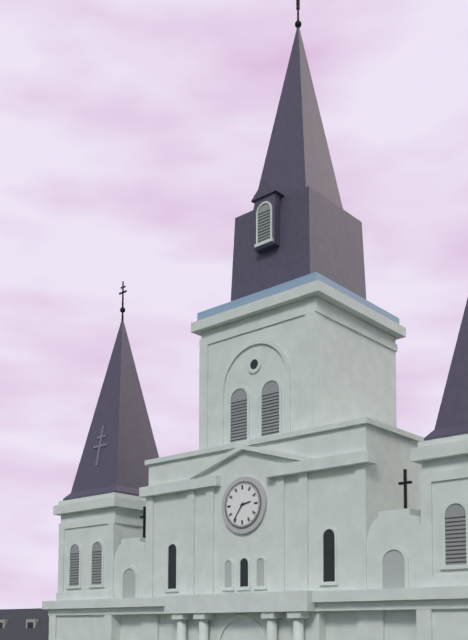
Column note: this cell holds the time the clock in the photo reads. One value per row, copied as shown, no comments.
2:36
